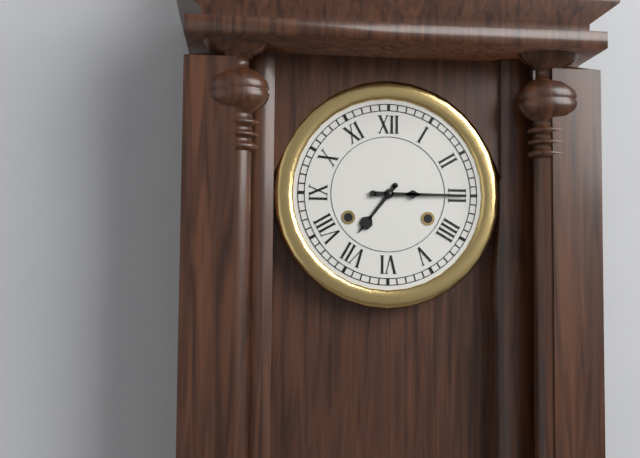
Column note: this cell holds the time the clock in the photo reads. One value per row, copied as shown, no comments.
7:15
